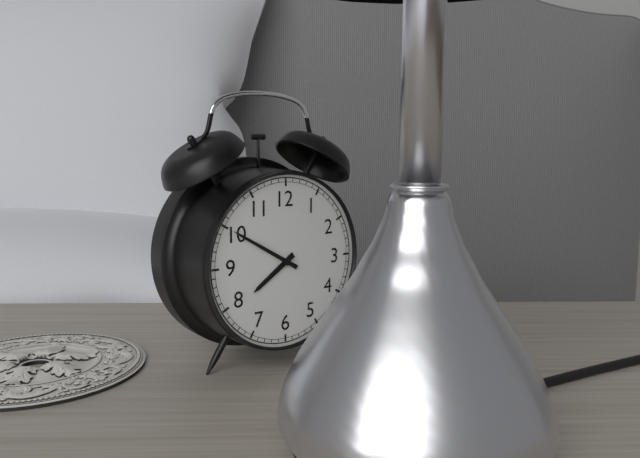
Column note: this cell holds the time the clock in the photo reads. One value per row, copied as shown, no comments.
7:50
